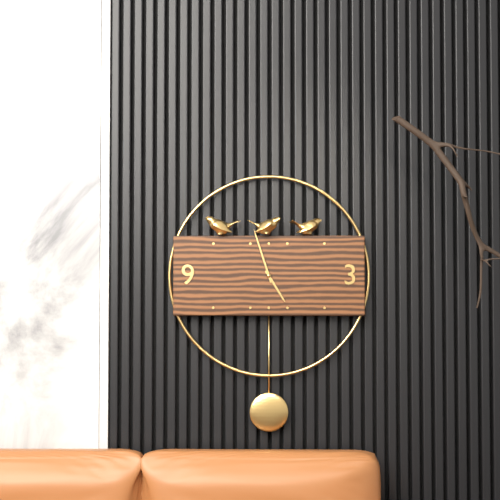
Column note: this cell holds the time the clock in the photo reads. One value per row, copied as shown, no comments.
4:57
